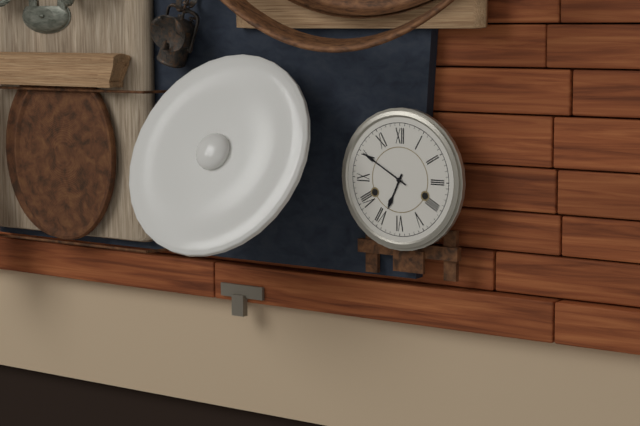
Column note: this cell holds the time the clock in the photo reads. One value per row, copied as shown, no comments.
6:50
